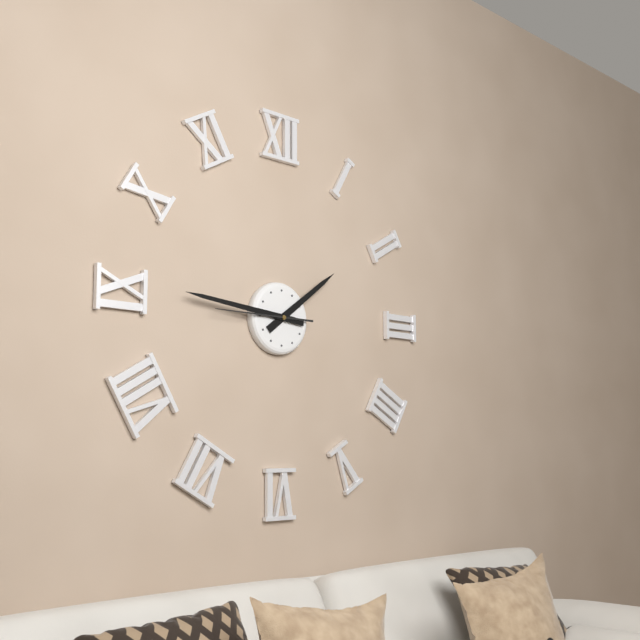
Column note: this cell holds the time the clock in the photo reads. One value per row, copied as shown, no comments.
1:46:45
